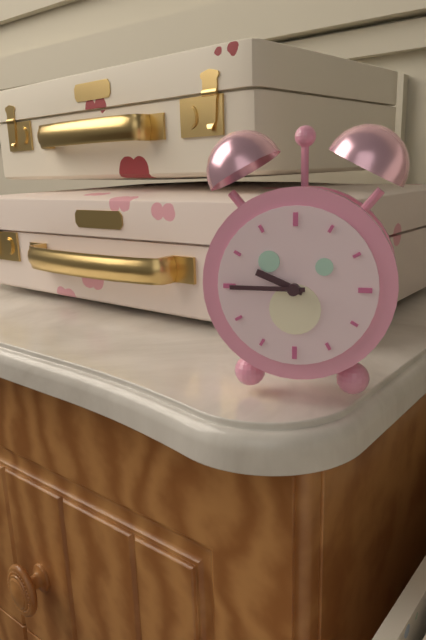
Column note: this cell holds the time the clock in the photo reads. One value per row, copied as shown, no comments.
9:45
